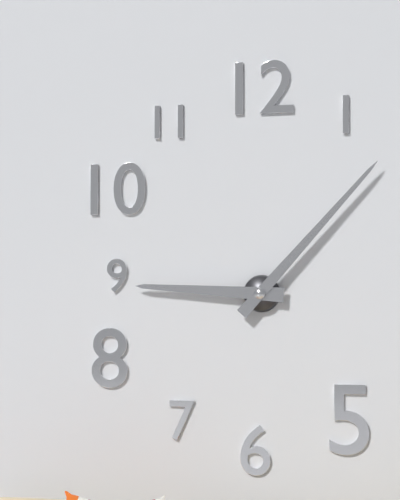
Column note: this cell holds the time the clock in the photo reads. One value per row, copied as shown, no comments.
9:07
